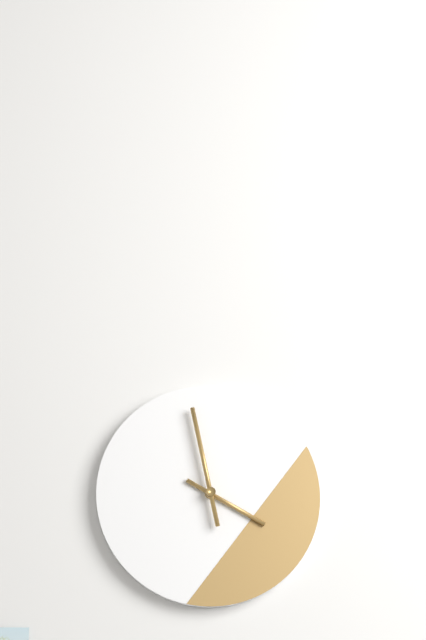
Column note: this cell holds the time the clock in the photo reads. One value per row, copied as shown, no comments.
3:58
